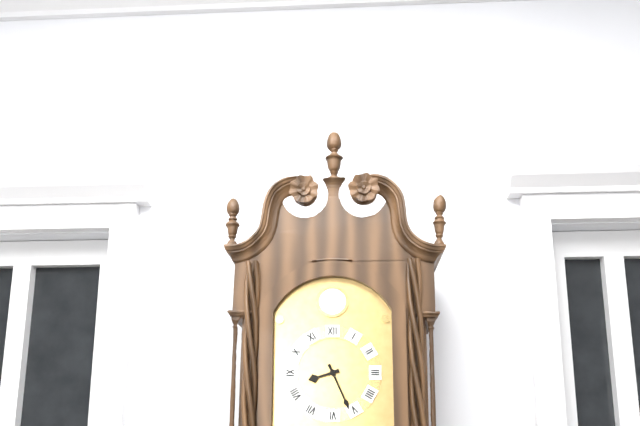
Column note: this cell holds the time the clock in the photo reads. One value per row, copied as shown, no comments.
8:26
